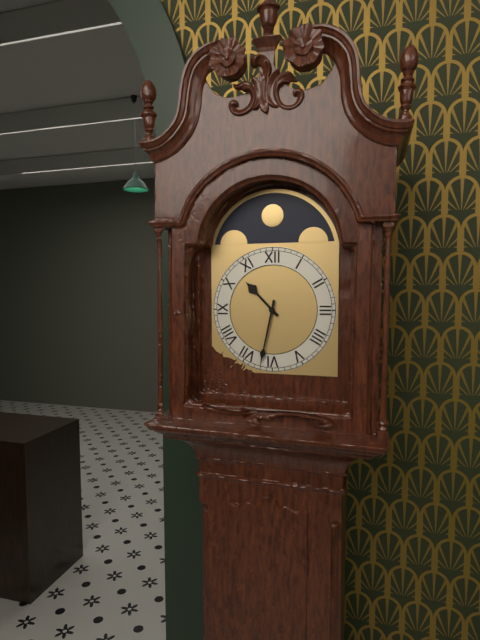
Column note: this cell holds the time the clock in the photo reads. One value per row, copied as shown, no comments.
10:32
